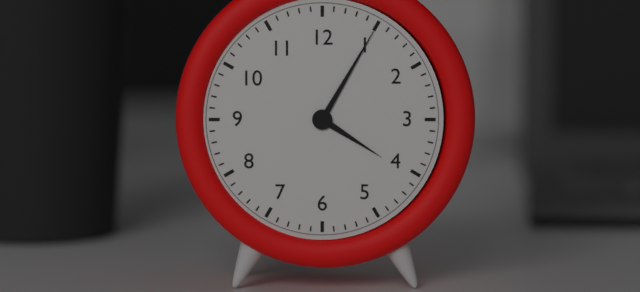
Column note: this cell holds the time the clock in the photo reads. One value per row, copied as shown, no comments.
4:05
